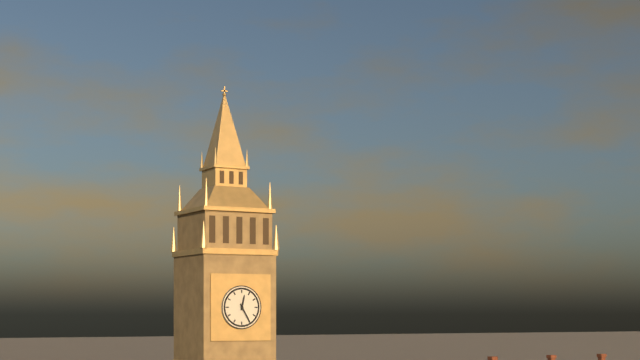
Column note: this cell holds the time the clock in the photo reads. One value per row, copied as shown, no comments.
12:25
